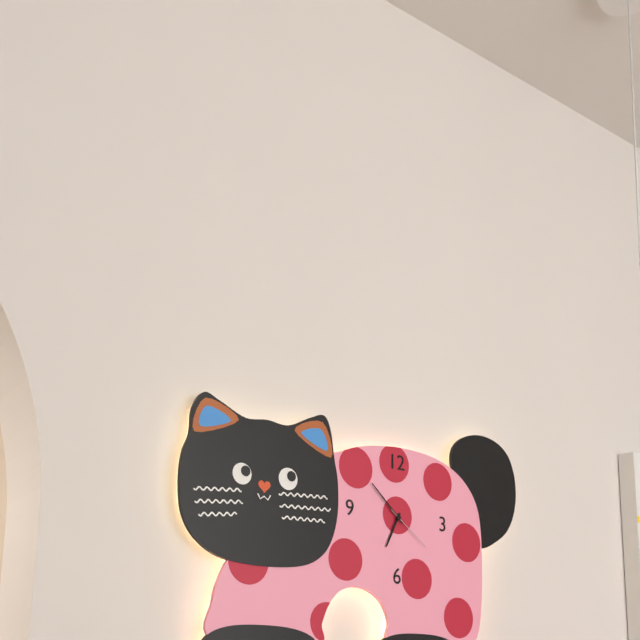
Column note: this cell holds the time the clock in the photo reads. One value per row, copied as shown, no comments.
6:52:21
